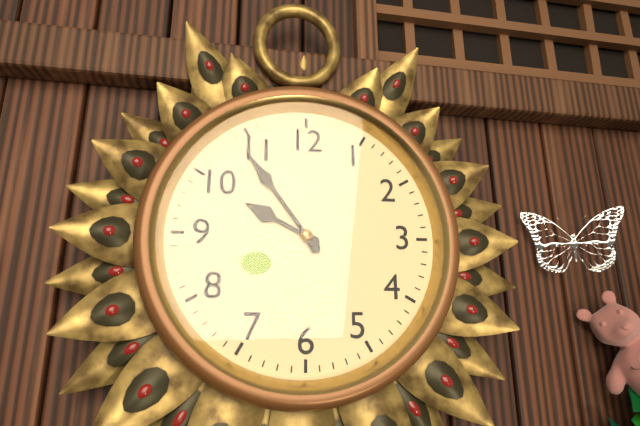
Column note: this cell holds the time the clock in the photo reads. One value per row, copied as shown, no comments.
9:54
